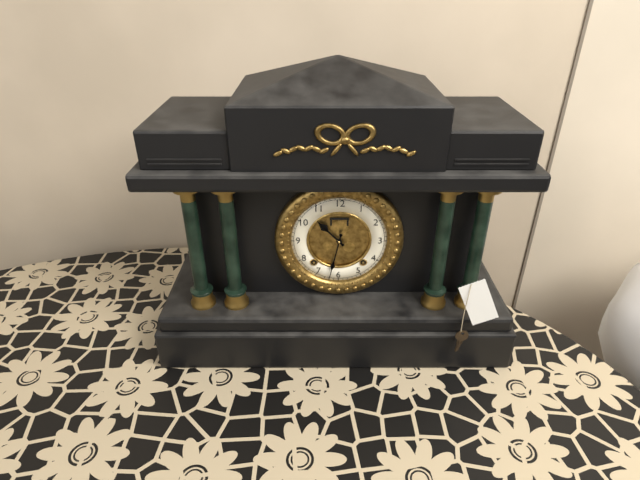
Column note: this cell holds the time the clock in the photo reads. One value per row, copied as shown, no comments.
10:32
